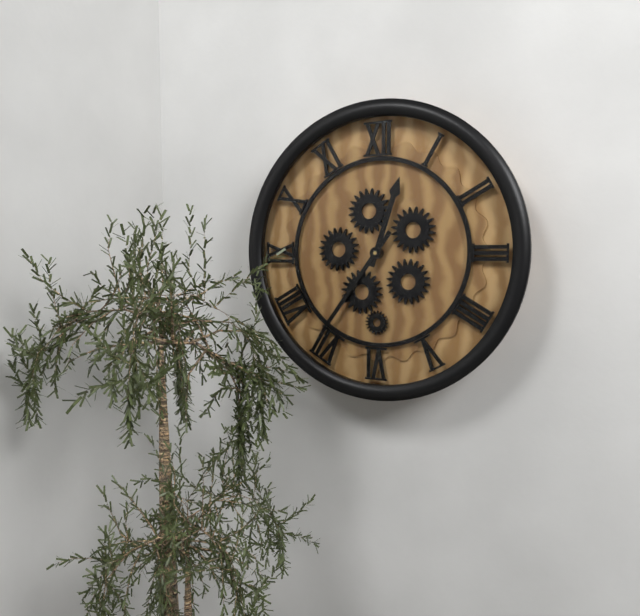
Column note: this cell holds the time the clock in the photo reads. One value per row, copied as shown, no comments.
12:36
